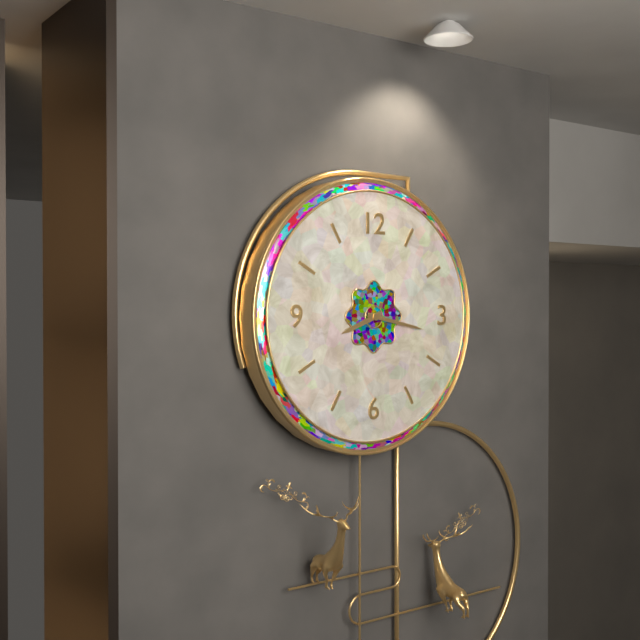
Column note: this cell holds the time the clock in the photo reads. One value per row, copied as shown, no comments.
8:17
